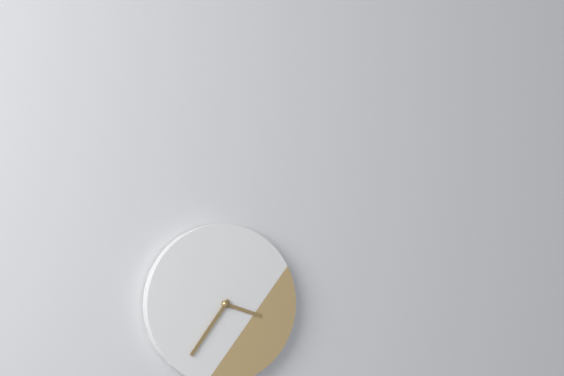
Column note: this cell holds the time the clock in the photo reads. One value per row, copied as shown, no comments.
3:36
